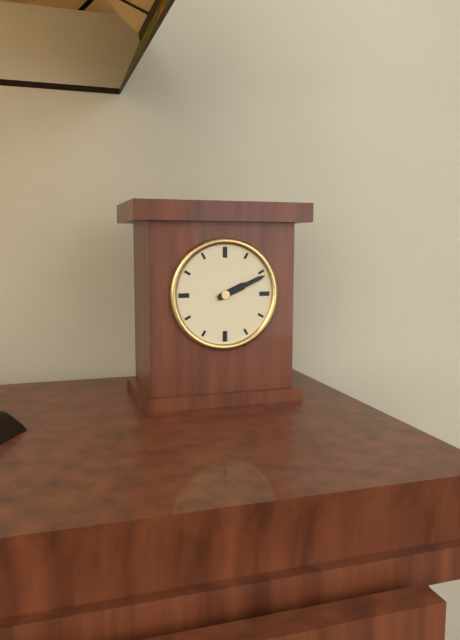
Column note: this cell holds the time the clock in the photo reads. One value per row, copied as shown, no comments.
2:11
